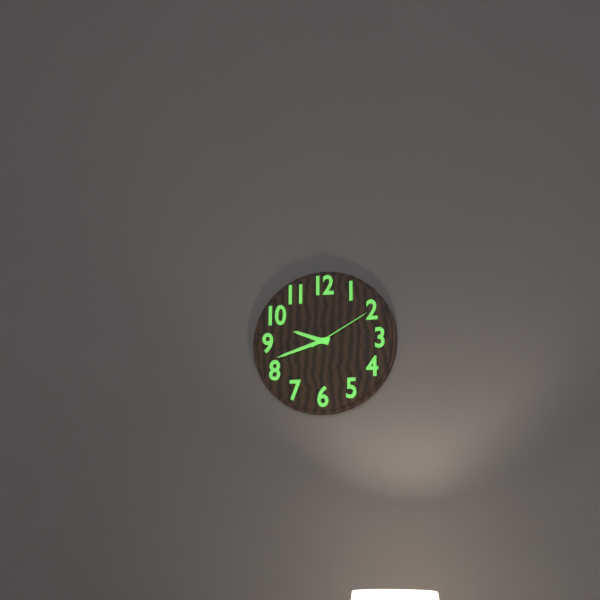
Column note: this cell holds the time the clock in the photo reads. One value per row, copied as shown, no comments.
9:42:10
